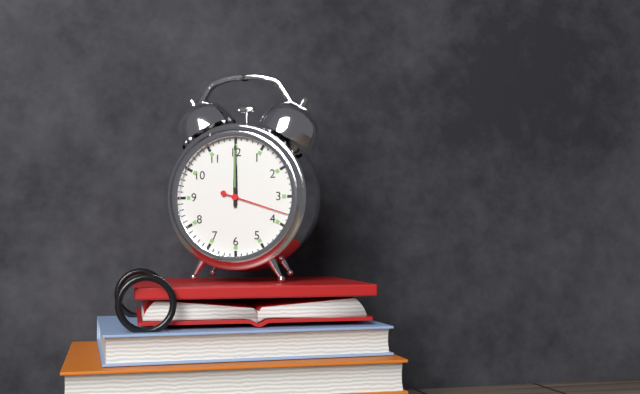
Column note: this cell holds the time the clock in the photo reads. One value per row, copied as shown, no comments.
12:00:18
